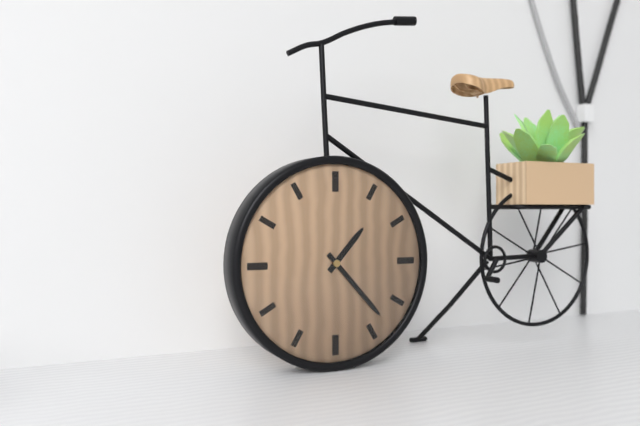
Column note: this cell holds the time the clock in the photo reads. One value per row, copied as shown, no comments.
1:23
